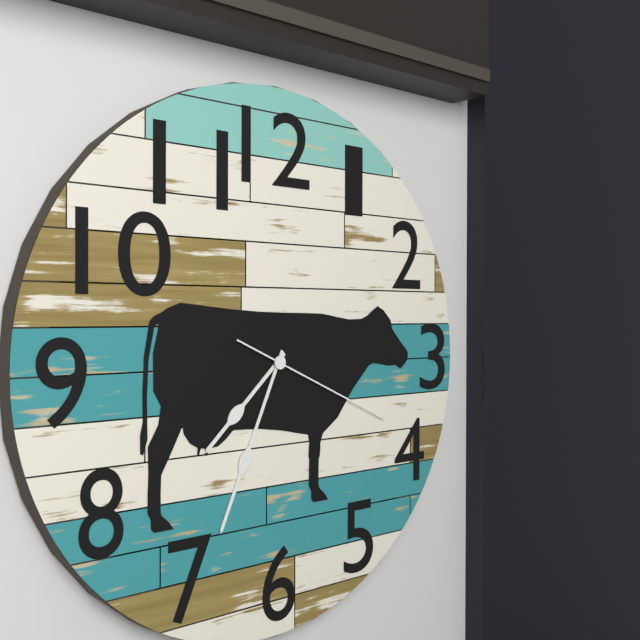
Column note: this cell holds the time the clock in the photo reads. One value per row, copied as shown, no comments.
7:34:19
